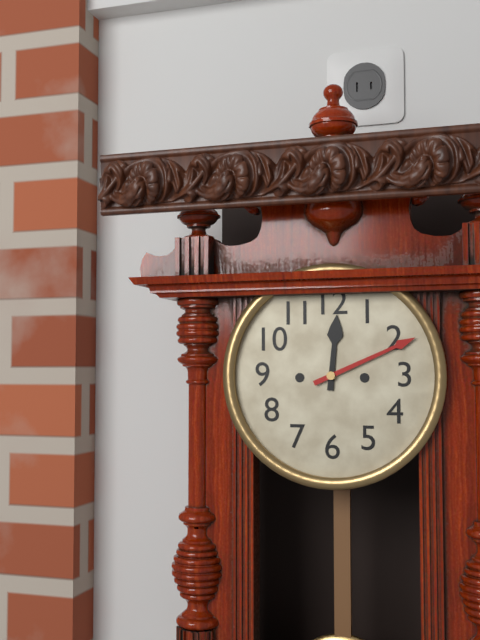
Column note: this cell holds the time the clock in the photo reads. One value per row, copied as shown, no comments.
12:11
